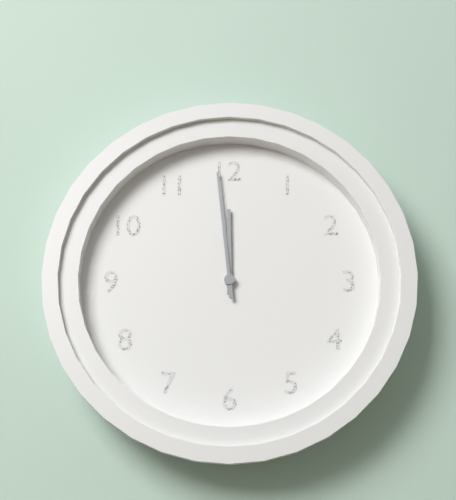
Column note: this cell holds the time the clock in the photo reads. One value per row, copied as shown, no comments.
11:59
